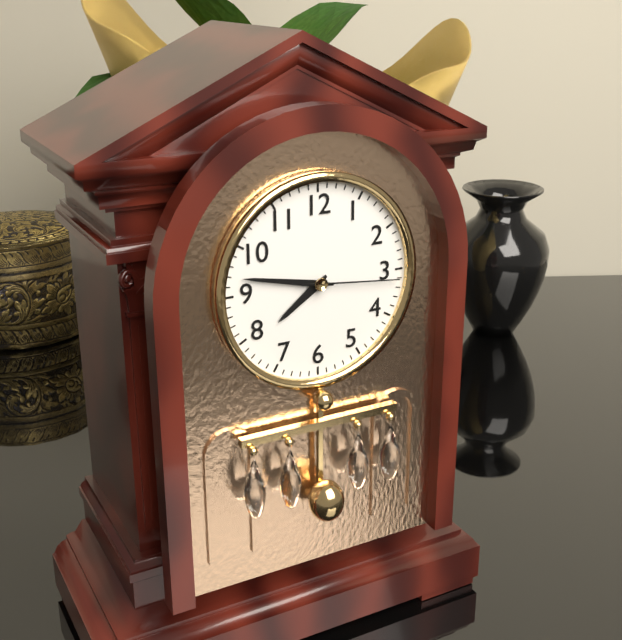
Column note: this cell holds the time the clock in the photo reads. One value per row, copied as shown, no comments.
7:47:16
